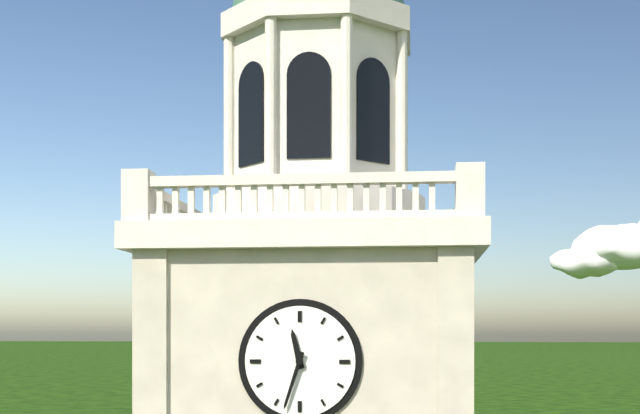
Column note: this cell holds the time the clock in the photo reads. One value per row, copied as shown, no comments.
11:33
